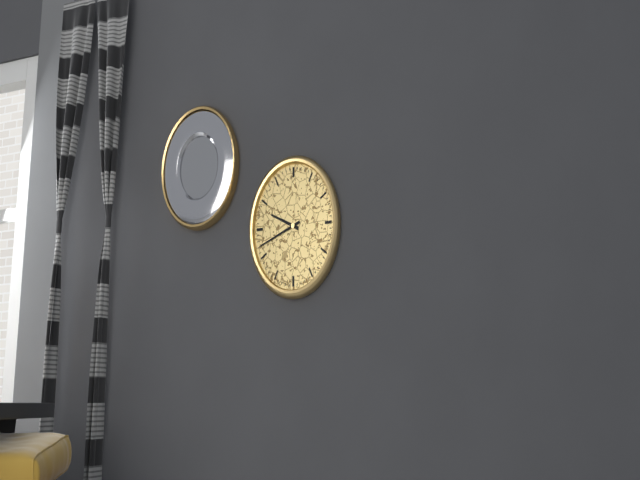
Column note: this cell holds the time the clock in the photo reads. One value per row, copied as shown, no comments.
9:42
